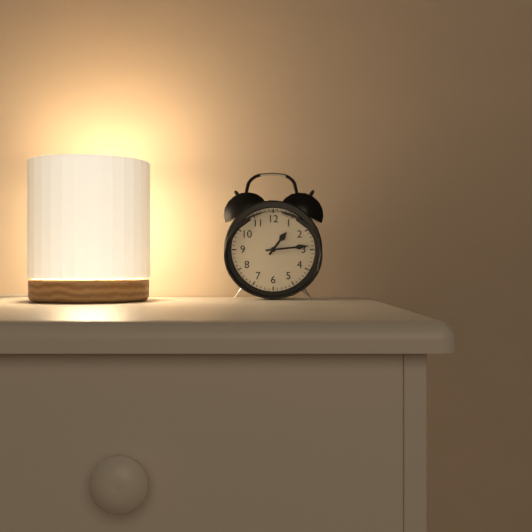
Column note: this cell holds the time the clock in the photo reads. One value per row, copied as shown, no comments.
1:14
